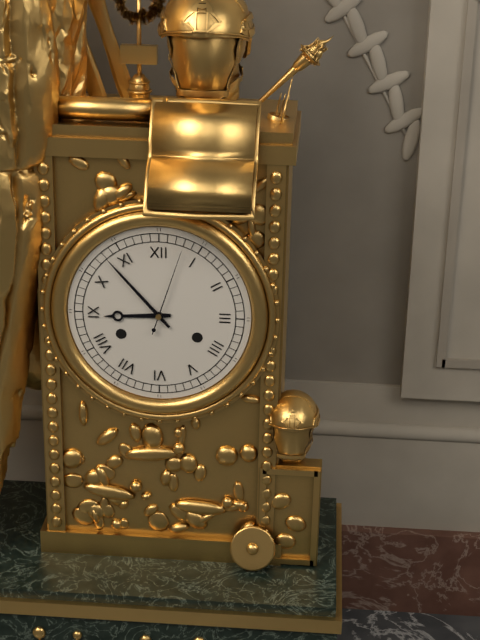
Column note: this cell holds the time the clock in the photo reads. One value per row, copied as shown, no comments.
8:53:03
